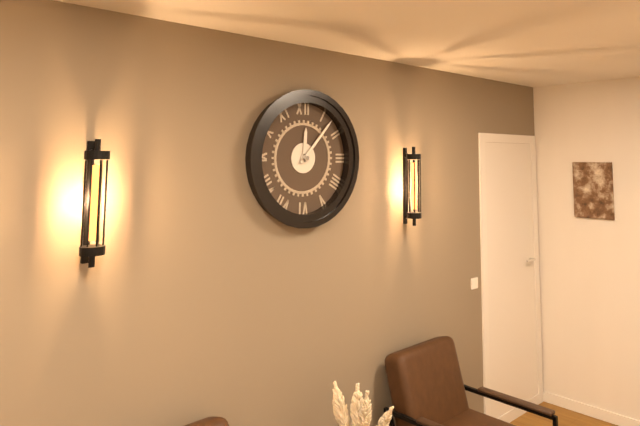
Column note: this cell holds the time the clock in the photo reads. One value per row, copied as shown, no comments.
12:07
